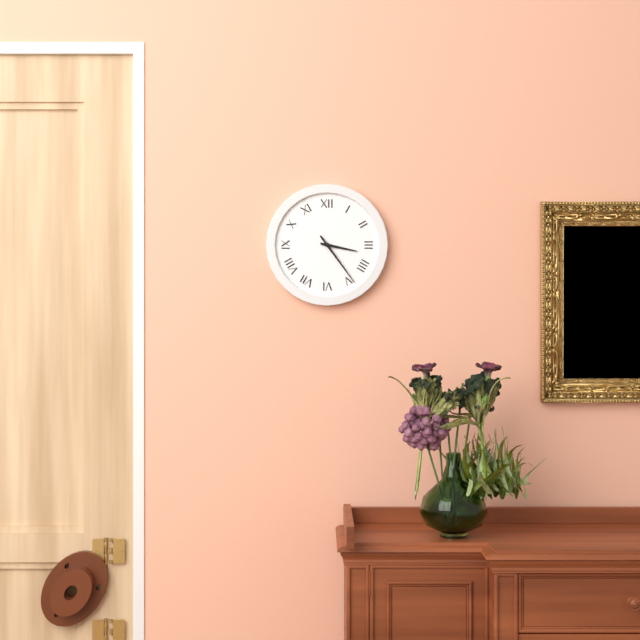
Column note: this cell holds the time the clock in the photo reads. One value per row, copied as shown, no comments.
3:24
